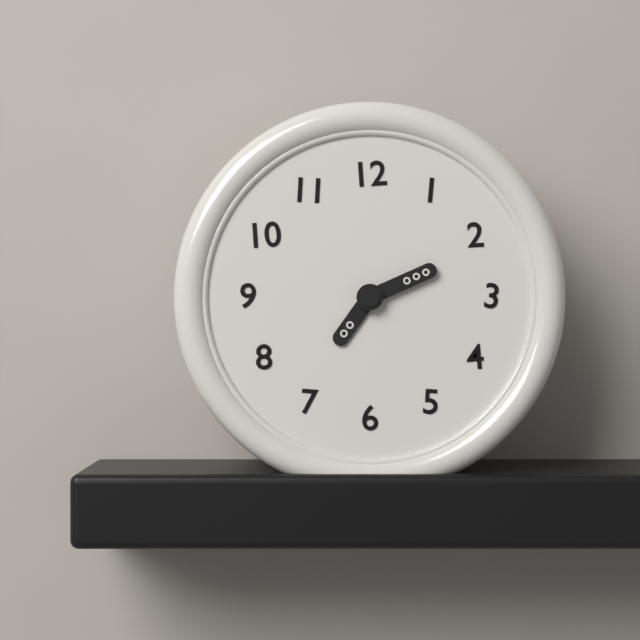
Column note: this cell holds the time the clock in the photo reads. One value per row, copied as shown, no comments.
7:11
